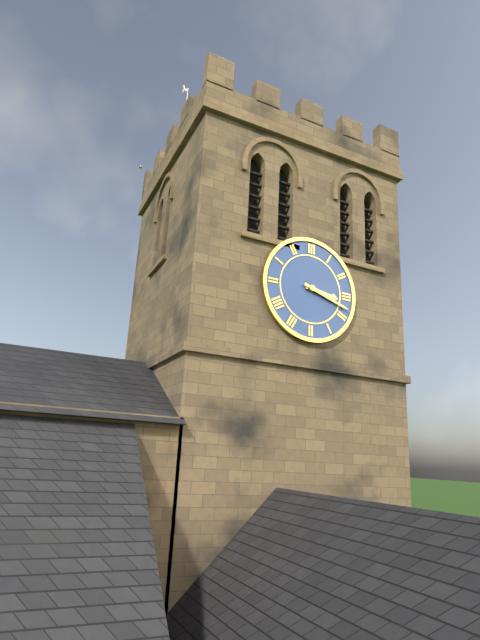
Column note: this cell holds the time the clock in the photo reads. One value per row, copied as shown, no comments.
3:18
